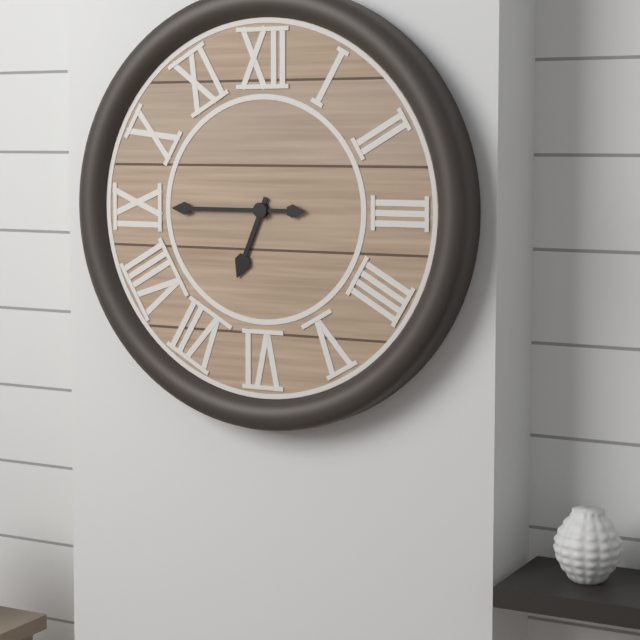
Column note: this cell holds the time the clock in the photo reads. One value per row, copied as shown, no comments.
6:45
